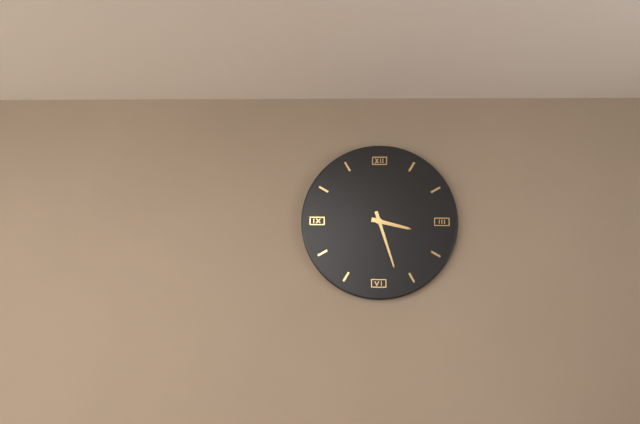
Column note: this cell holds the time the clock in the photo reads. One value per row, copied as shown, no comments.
3:27
